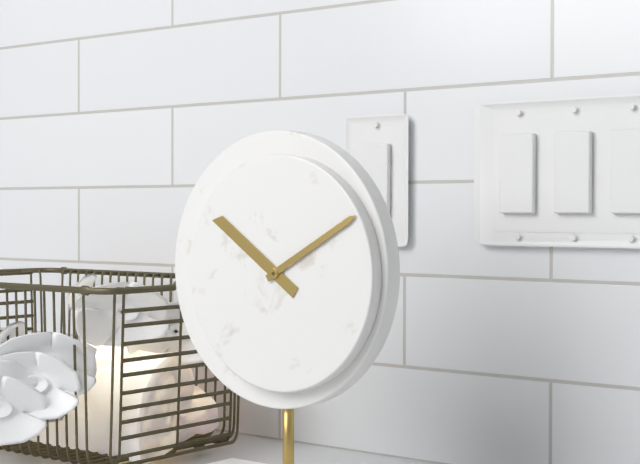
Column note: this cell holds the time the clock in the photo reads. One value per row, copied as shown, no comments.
10:10
